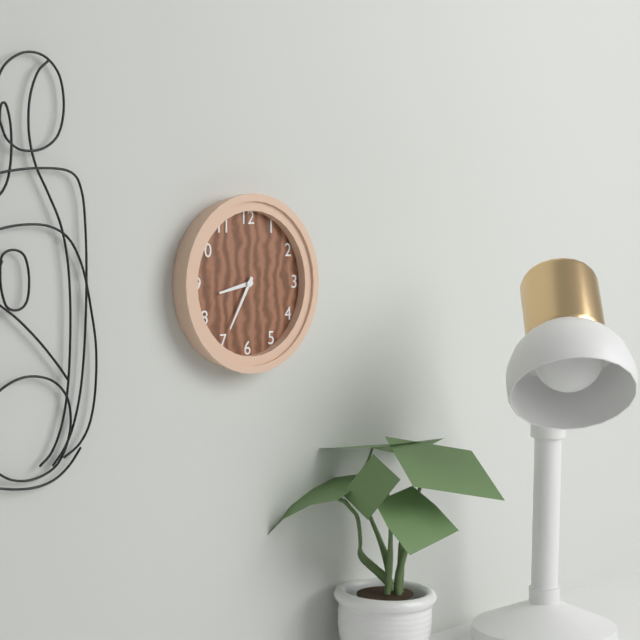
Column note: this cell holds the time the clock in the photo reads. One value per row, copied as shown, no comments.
8:35
